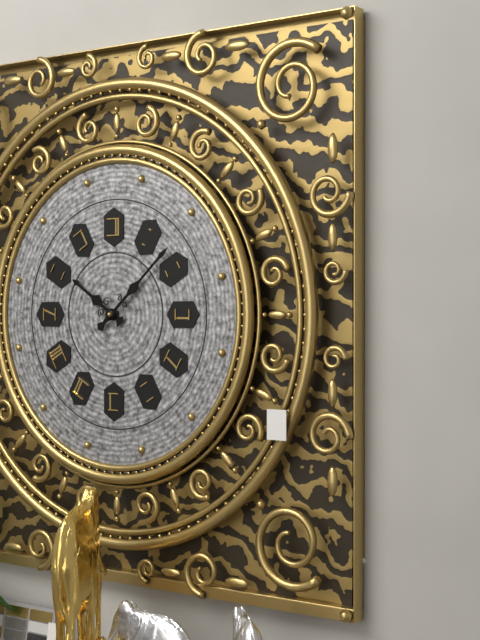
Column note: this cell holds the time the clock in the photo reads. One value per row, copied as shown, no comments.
10:08
